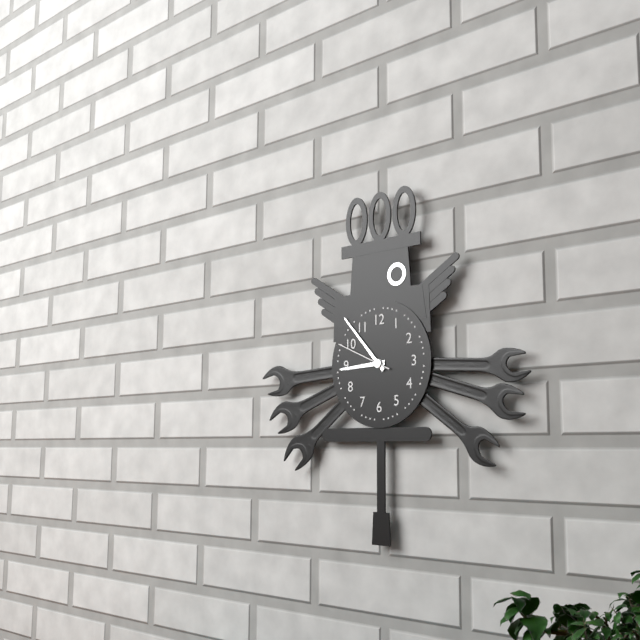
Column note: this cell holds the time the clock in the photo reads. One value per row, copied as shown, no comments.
8:53:49
